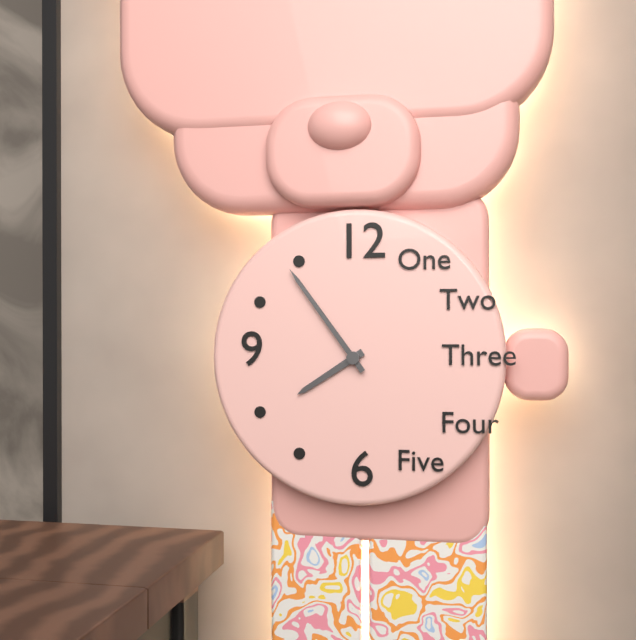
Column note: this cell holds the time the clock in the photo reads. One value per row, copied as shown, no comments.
7:54
